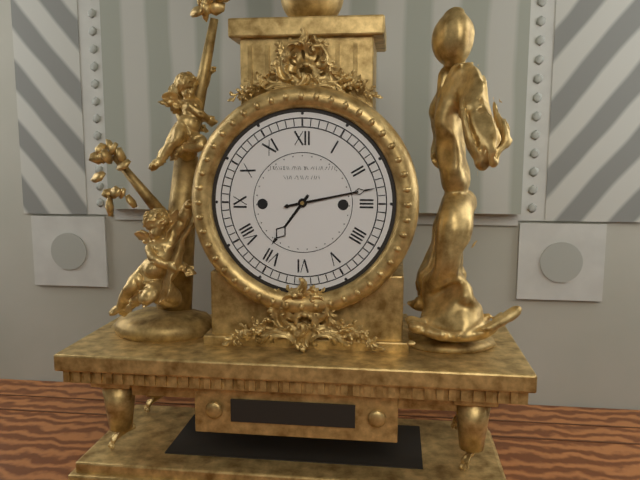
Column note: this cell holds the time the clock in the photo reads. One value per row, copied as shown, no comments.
7:13
